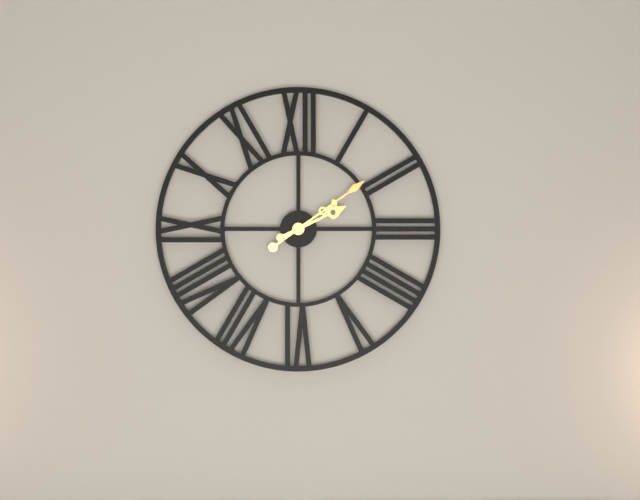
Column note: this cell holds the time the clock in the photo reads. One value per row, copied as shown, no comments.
2:09
